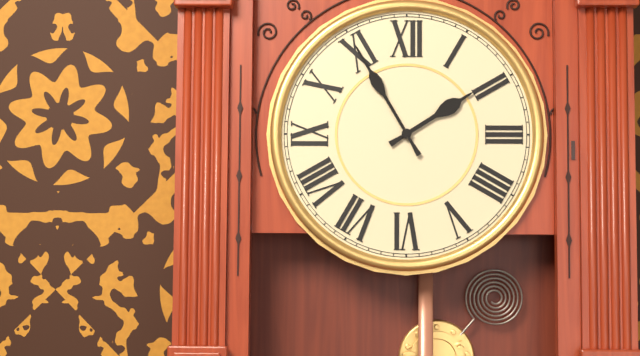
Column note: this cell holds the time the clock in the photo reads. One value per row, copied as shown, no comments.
1:55
